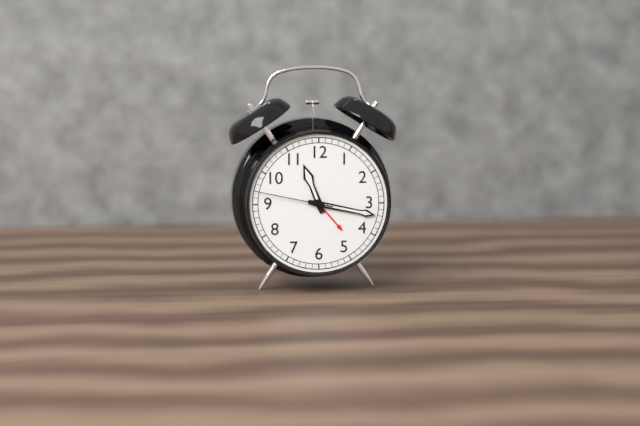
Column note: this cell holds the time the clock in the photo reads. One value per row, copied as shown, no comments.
11:17:47
